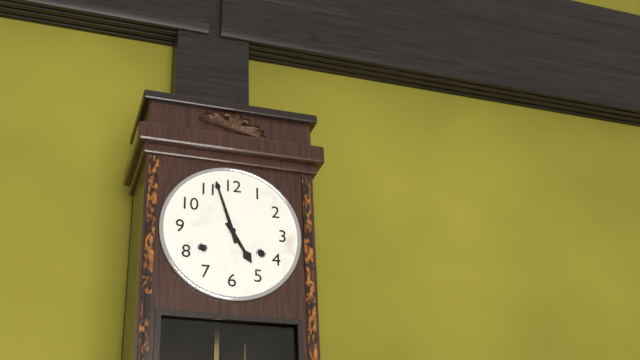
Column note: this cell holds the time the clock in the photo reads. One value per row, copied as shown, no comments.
4:57
